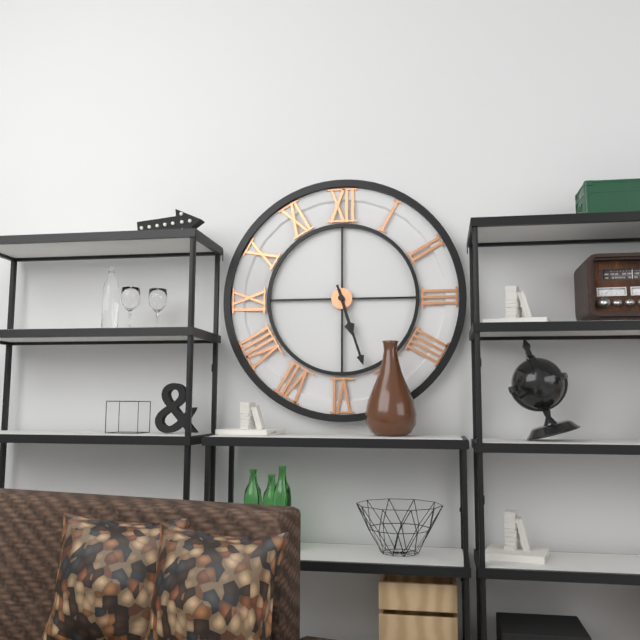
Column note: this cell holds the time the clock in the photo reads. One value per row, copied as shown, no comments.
5:27
